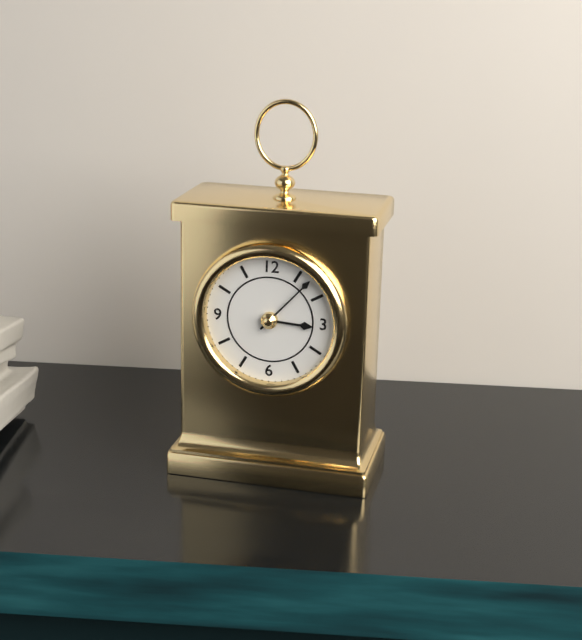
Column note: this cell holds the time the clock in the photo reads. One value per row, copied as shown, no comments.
3:07
